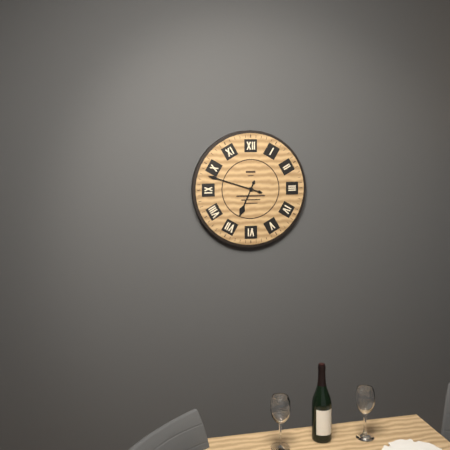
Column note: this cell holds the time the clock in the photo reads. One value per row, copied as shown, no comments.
6:48
